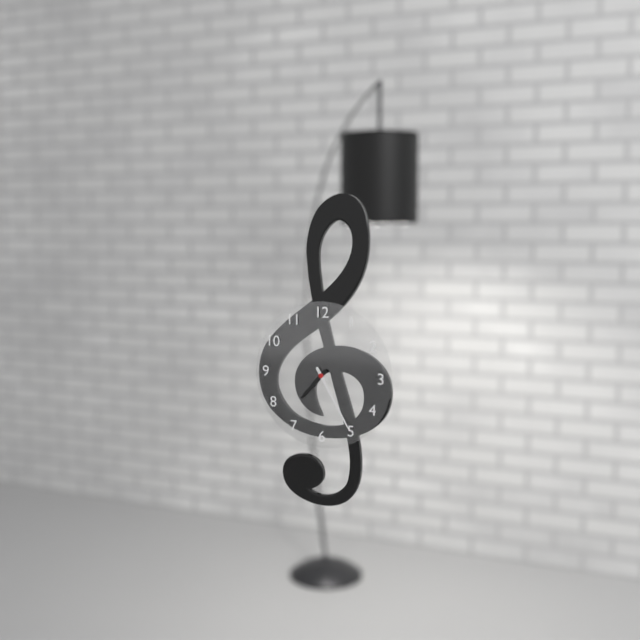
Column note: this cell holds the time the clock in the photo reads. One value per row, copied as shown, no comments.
7:25
